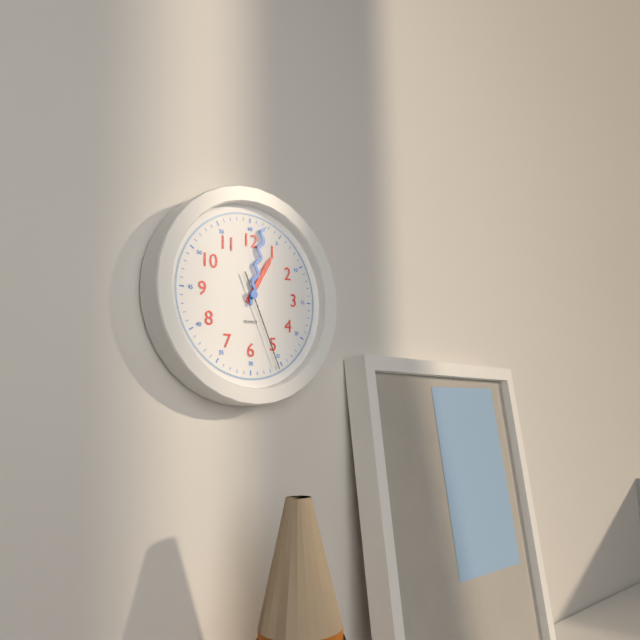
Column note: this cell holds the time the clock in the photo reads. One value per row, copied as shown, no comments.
1:02:26
